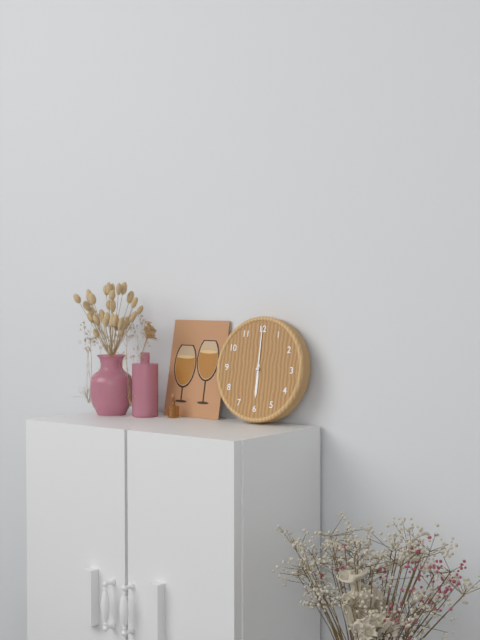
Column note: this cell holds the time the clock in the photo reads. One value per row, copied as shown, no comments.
6:00
